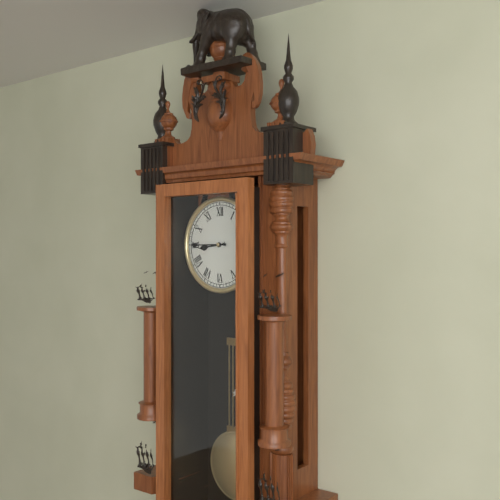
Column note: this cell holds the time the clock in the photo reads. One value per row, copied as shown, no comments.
8:45
